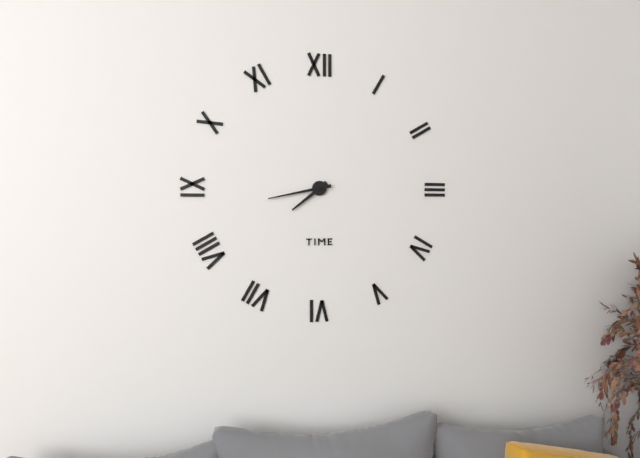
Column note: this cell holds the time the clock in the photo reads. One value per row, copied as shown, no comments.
7:43
